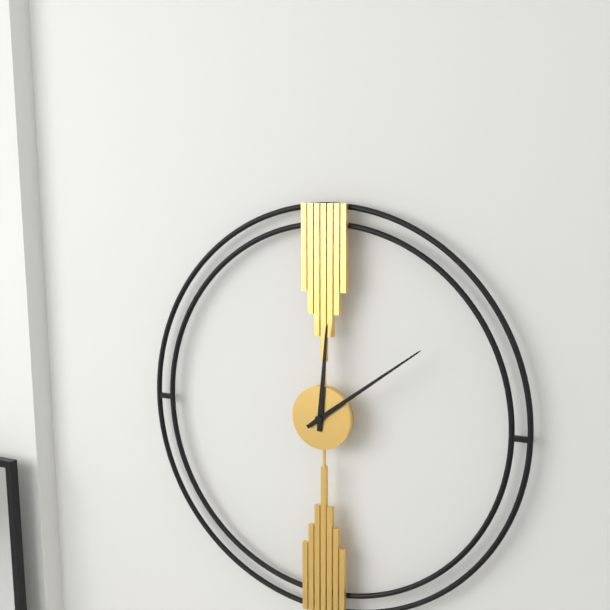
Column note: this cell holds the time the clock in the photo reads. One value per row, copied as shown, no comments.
12:09
